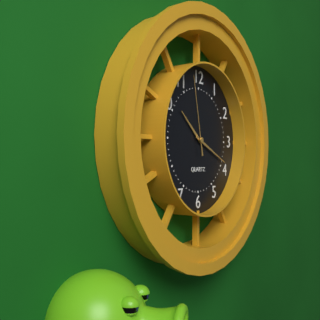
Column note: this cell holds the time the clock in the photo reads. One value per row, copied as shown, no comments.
10:19:58
